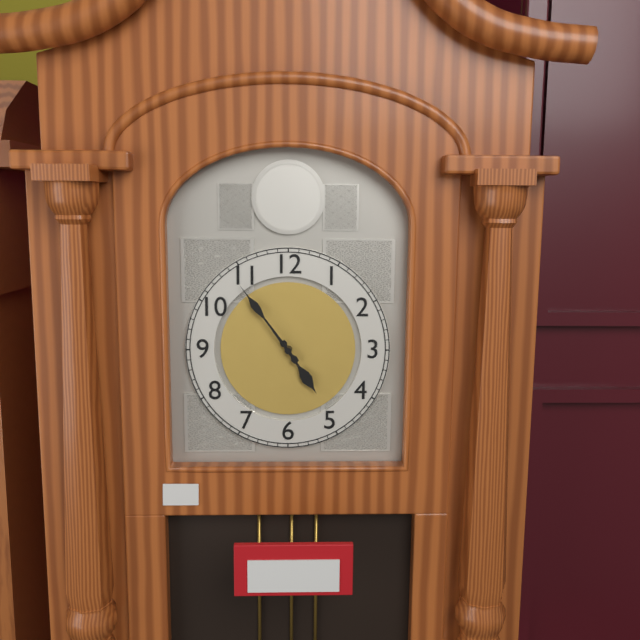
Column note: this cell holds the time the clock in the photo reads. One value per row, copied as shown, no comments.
4:54
